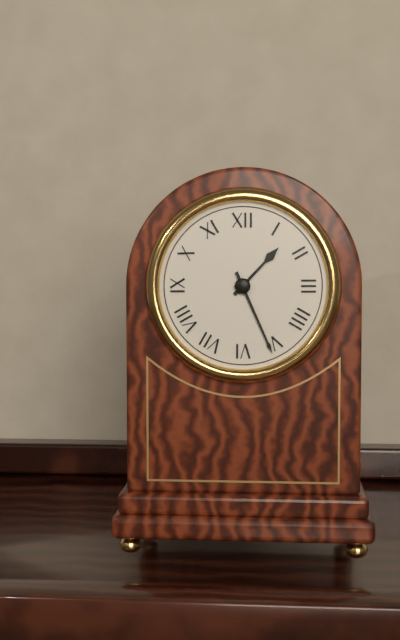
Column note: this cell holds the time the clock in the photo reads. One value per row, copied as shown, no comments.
1:26
